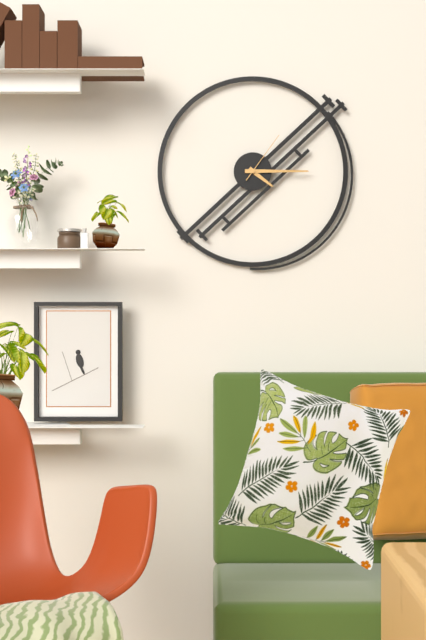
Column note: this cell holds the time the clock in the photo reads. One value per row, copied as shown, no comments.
4:15:06
